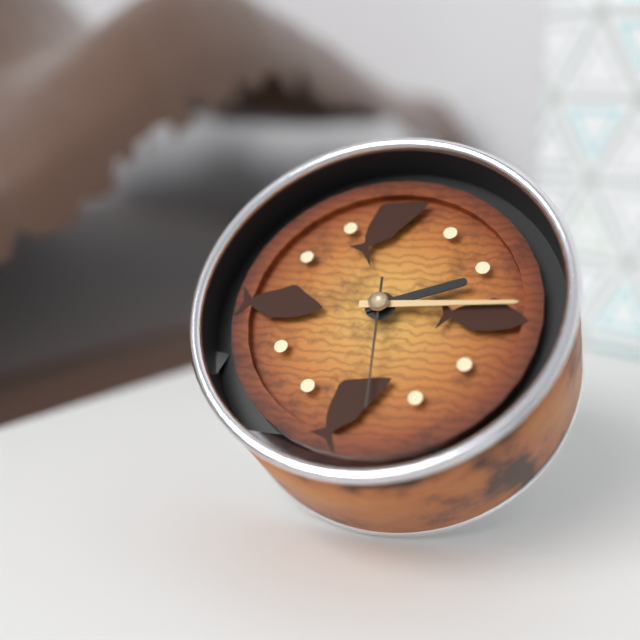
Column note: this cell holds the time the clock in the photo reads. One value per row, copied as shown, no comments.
2:14:29
